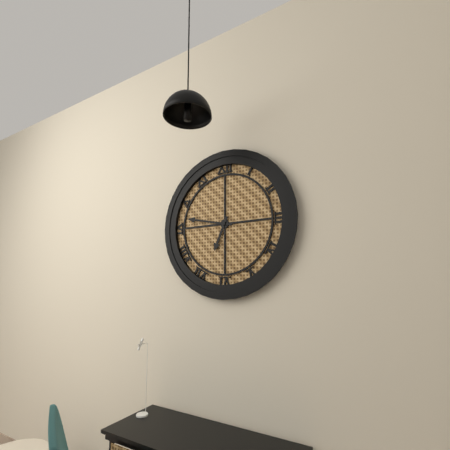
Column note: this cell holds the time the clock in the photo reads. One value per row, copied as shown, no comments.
6:47
